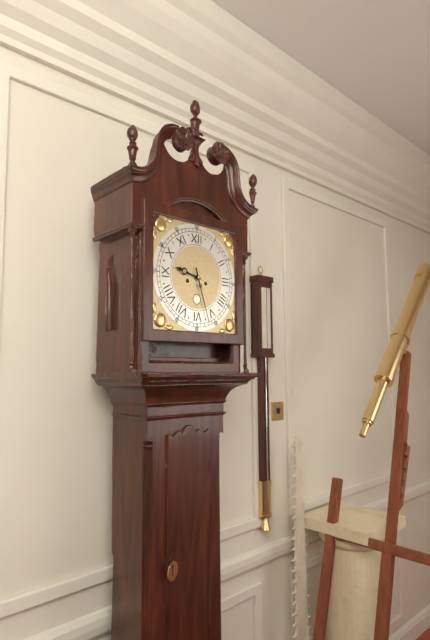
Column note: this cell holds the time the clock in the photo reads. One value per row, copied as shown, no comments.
9:27
